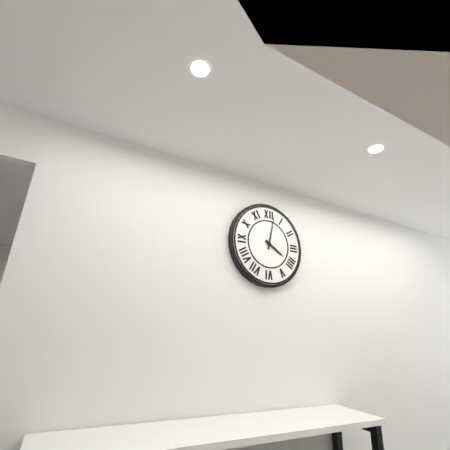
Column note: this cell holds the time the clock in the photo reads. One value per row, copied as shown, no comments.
4:02
